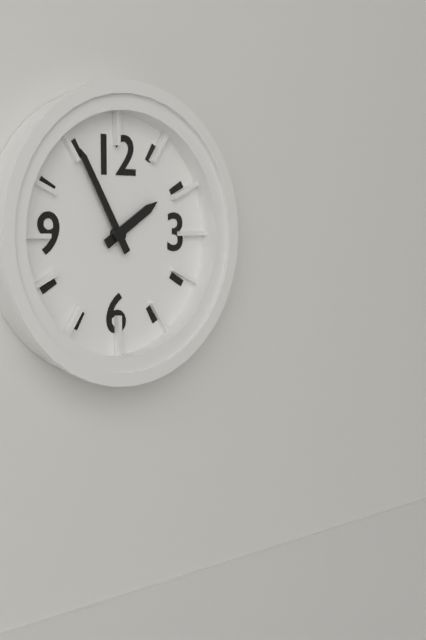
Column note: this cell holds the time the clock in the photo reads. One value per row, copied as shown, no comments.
1:55
